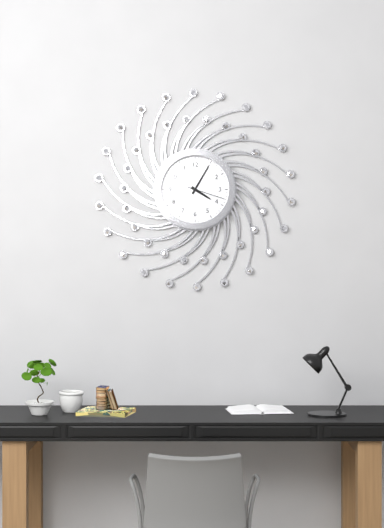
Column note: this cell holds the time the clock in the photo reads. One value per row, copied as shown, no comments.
4:05
